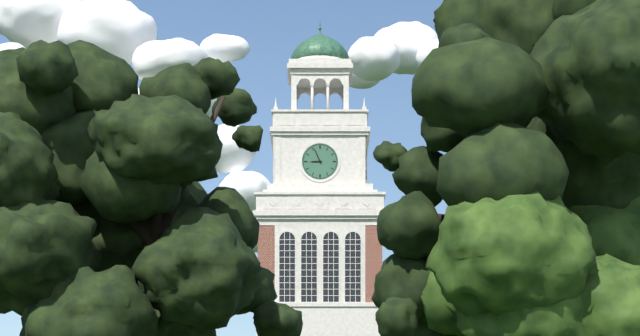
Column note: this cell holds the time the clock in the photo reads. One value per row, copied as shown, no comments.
8:56
